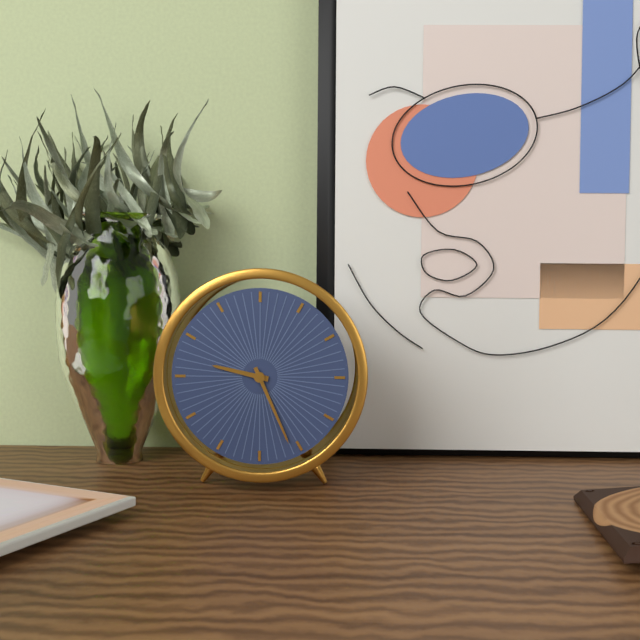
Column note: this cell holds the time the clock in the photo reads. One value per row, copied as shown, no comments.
9:26
